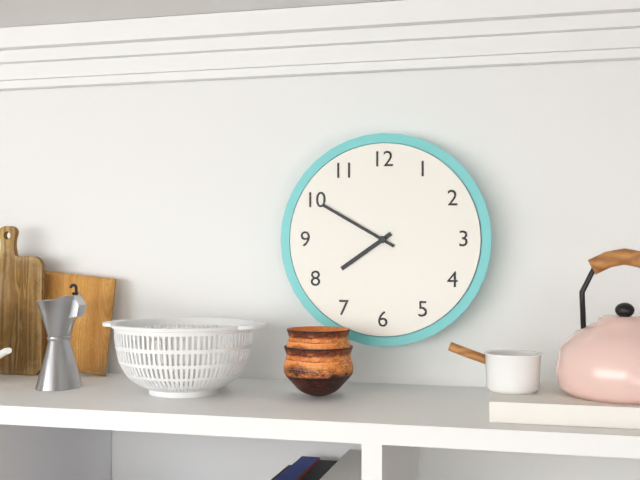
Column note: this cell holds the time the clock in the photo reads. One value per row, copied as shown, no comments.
7:50
